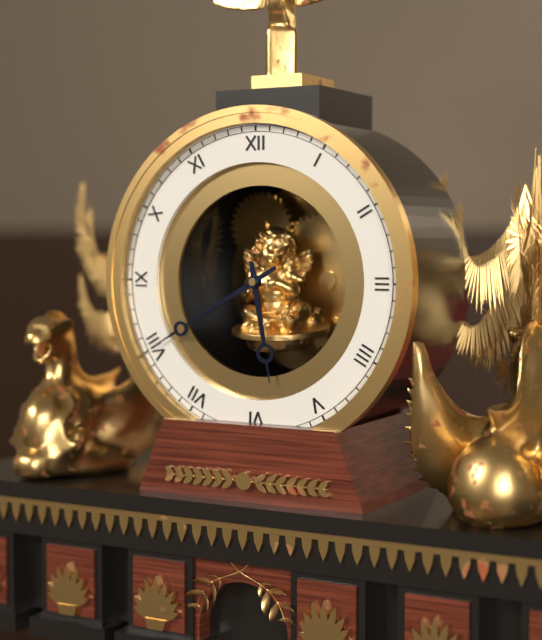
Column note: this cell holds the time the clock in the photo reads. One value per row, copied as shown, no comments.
5:40
